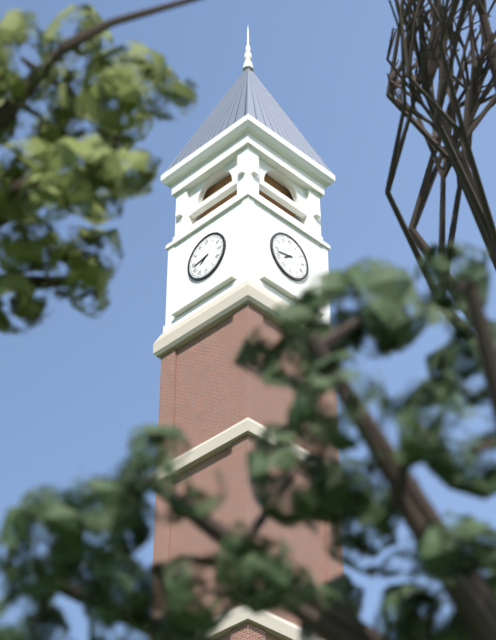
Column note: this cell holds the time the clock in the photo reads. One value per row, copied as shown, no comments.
7:43
